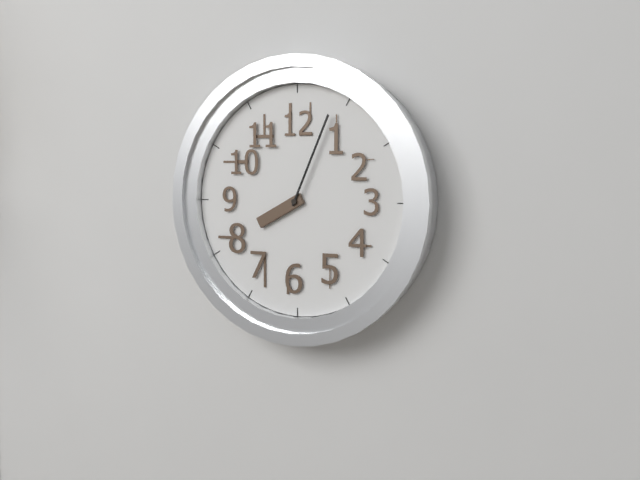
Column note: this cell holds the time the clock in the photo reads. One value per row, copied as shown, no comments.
8:04
